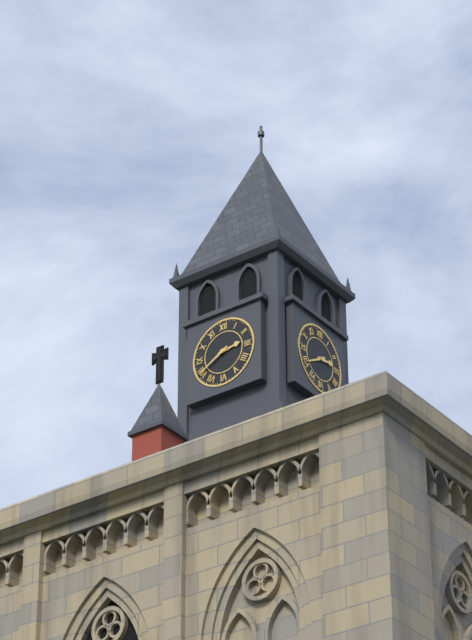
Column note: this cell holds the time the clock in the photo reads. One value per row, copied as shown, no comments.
2:40
